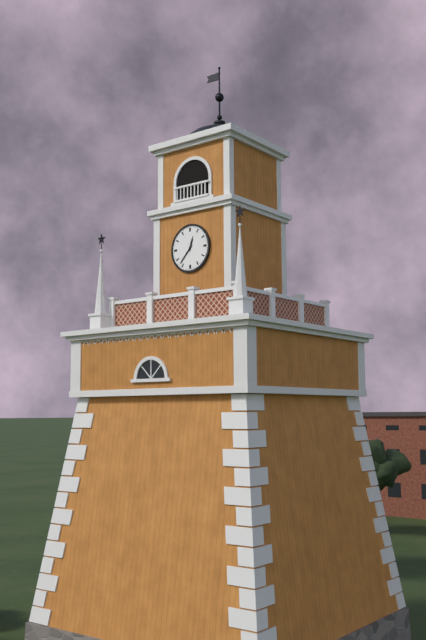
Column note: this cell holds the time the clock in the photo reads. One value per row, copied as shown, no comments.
12:37
